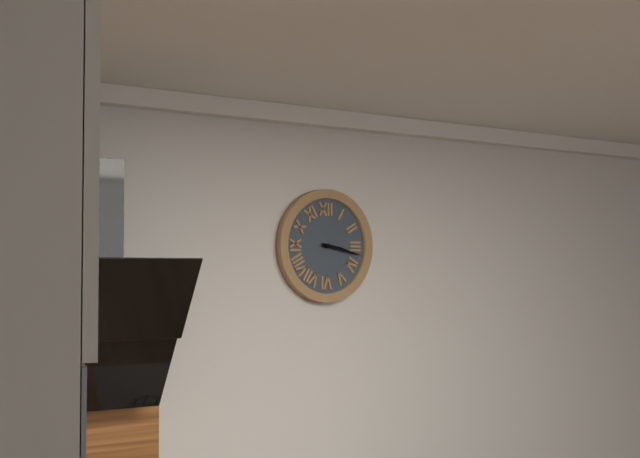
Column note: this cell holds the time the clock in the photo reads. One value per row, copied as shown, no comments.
3:17
